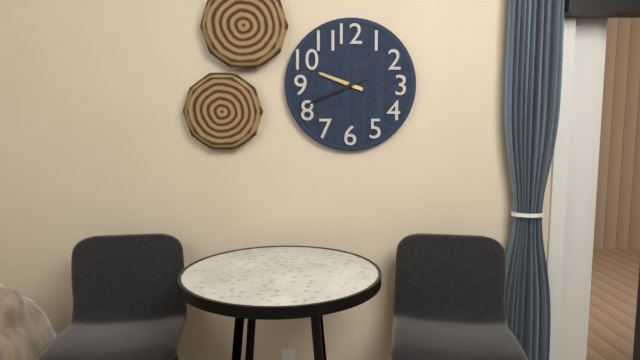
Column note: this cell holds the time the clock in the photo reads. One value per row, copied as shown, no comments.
9:41
